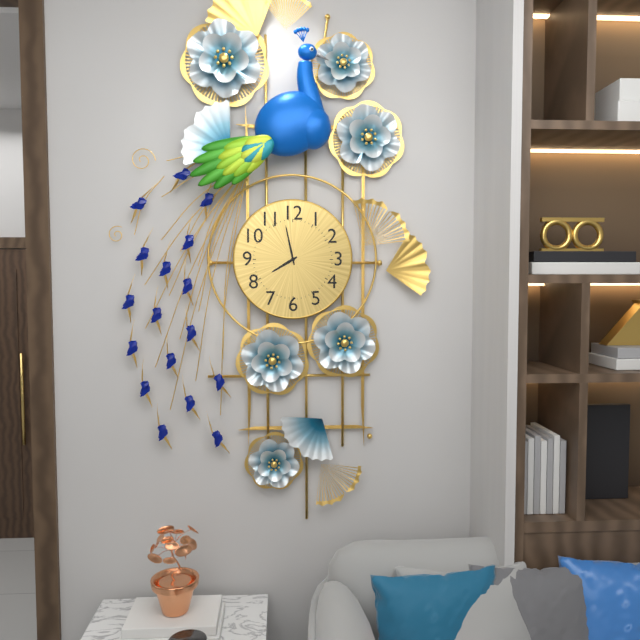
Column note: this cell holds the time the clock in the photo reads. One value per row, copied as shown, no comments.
7:58
